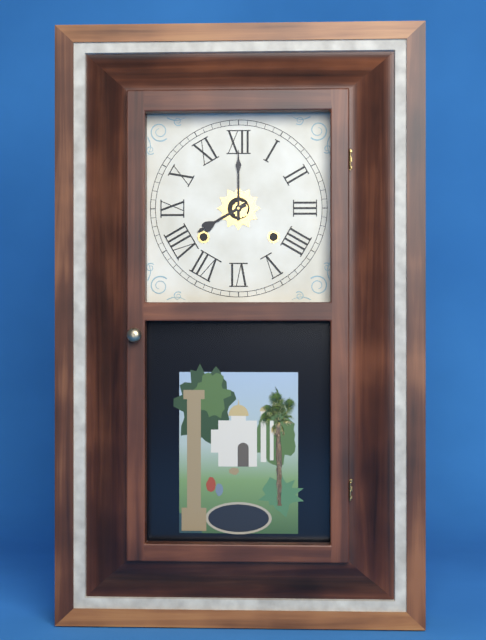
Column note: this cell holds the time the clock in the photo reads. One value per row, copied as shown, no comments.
8:00
